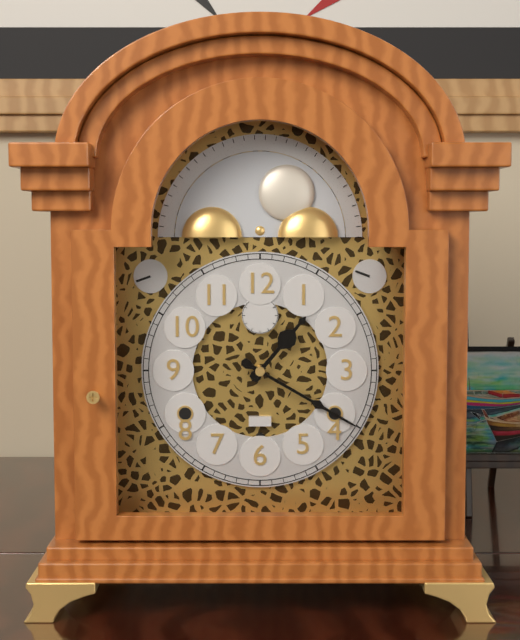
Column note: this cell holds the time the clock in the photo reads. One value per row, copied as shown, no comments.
1:20
